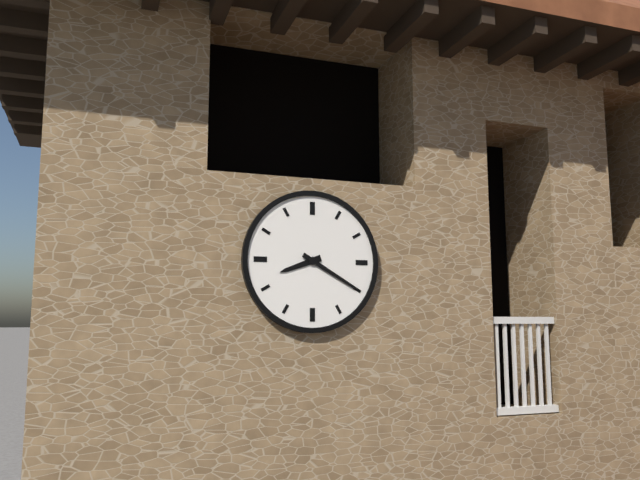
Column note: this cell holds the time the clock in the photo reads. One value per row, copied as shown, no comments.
8:20
